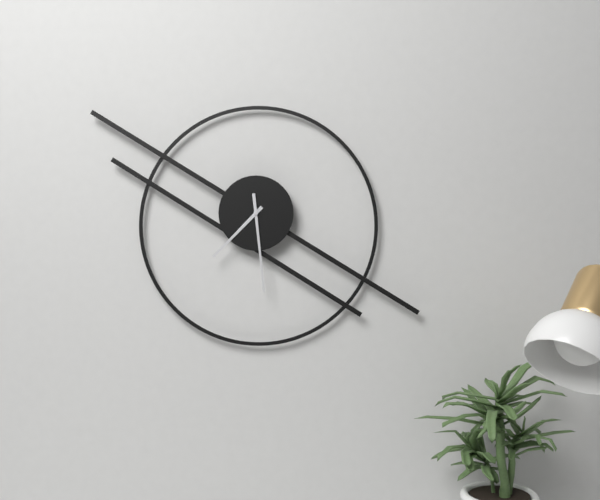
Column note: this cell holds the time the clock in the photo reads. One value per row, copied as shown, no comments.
7:29
